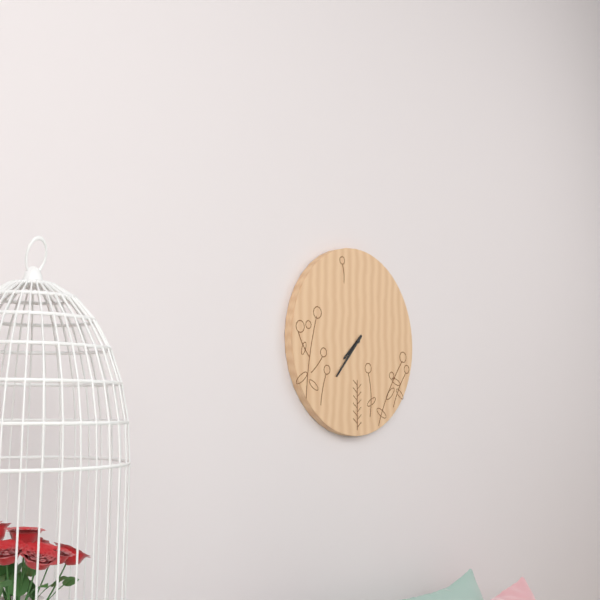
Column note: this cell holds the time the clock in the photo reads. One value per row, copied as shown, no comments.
7:37
